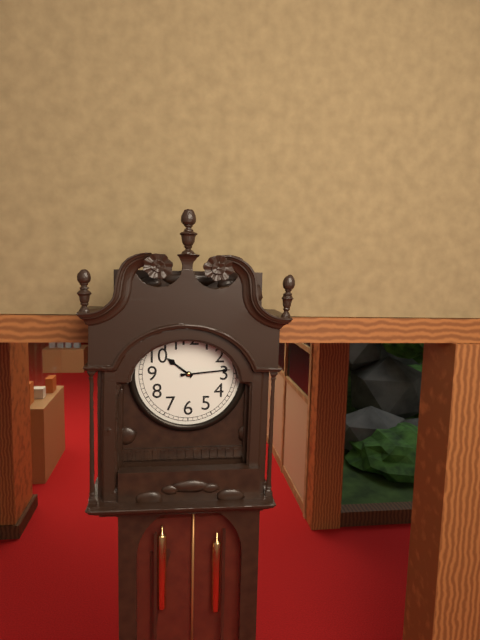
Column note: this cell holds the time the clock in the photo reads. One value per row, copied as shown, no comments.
10:14
